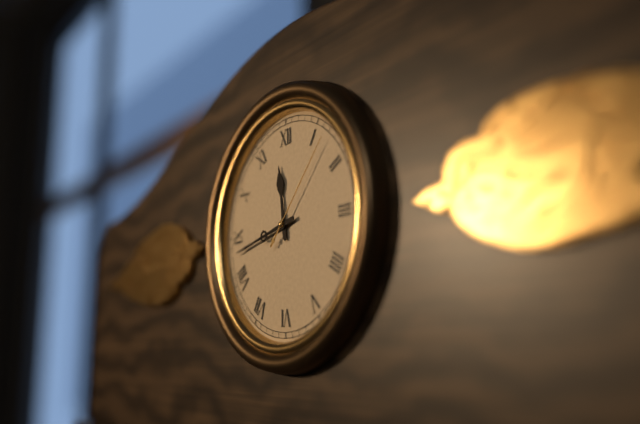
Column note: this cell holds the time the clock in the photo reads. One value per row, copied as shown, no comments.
11:43:07
